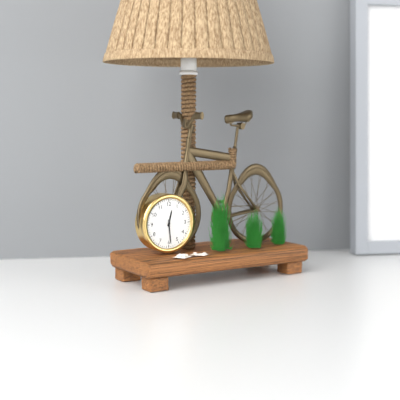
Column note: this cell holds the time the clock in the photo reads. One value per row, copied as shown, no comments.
12:29
